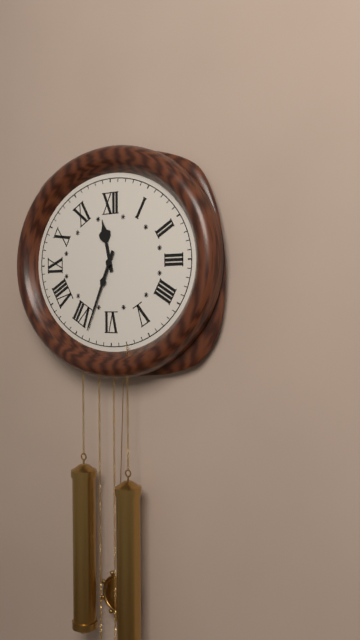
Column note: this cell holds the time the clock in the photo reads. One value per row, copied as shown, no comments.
11:34
